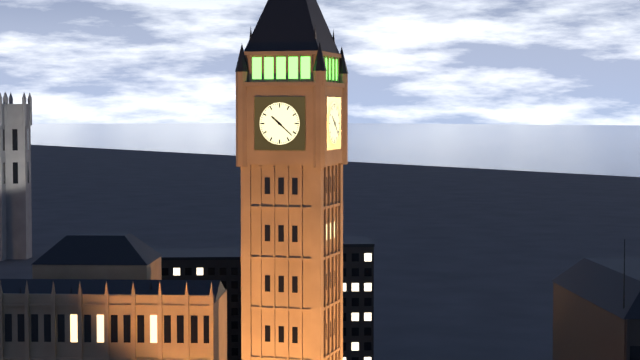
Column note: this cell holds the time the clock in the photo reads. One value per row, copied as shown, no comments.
10:22
